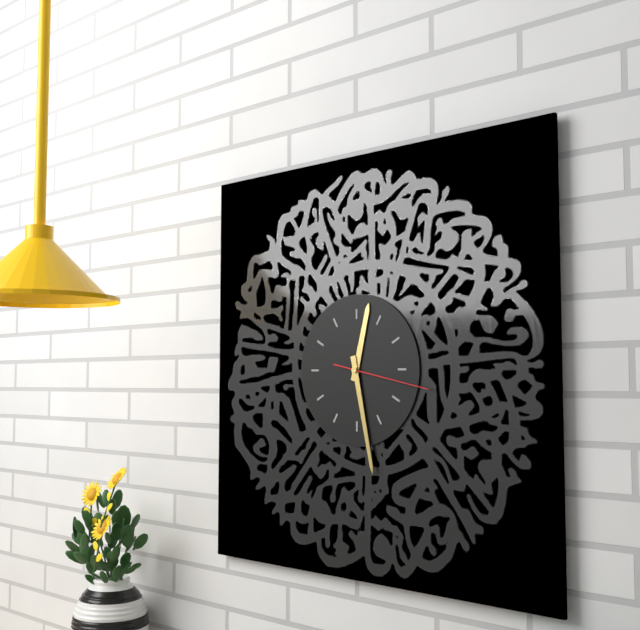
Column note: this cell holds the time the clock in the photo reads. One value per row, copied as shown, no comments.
12:28:17
